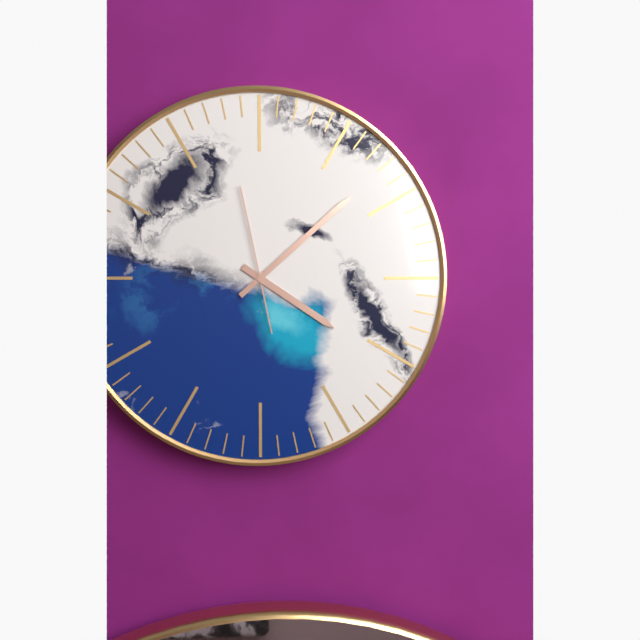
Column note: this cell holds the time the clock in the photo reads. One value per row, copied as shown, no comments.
4:08:58
